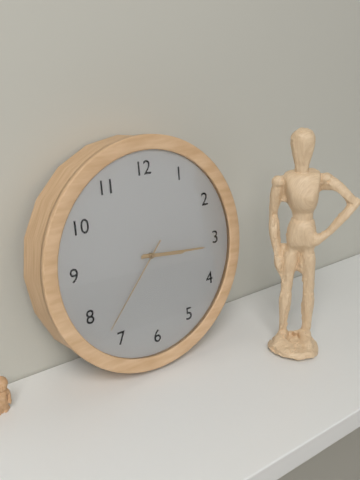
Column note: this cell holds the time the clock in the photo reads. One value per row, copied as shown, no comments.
3:16:37
